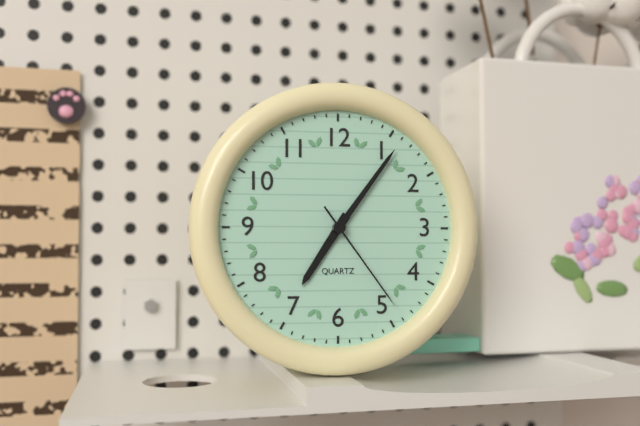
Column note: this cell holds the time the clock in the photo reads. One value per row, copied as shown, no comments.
7:06:24
